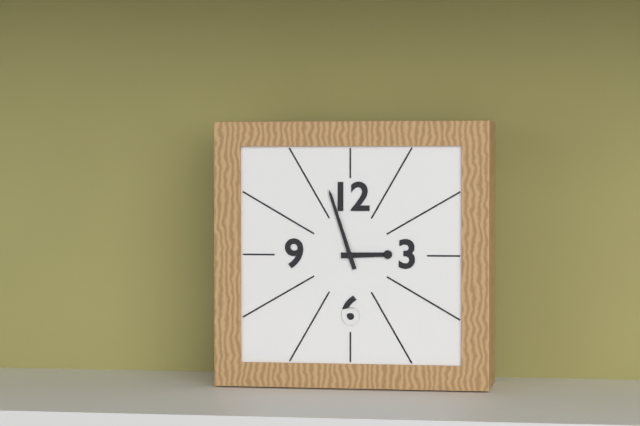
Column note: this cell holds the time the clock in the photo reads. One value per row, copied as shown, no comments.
2:57
